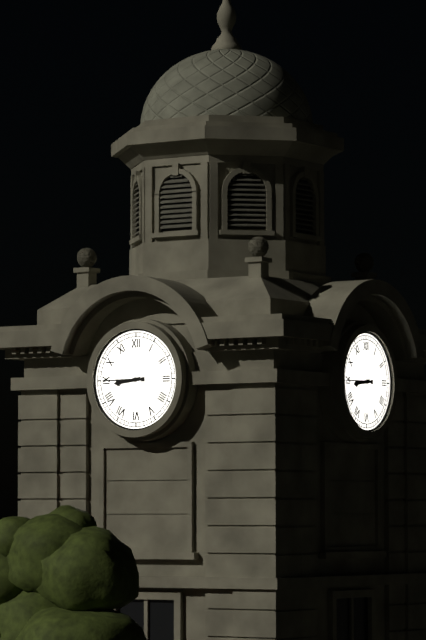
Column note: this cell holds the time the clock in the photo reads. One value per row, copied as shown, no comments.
8:45
